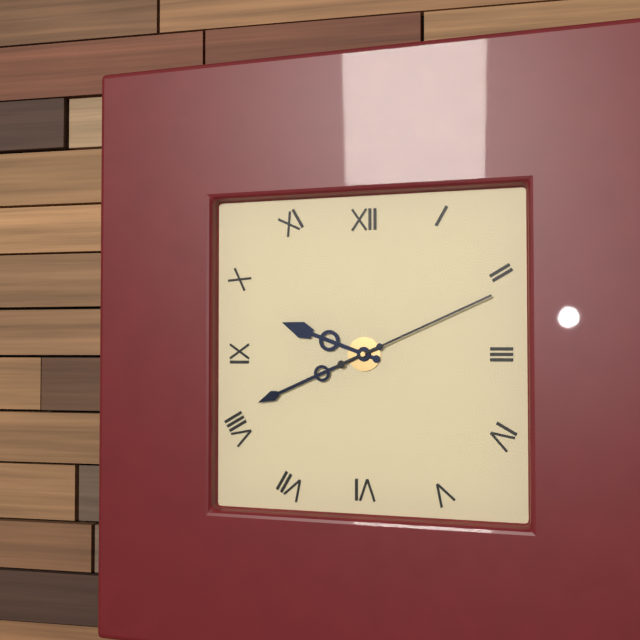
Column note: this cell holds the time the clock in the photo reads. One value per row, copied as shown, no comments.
9:41:11
